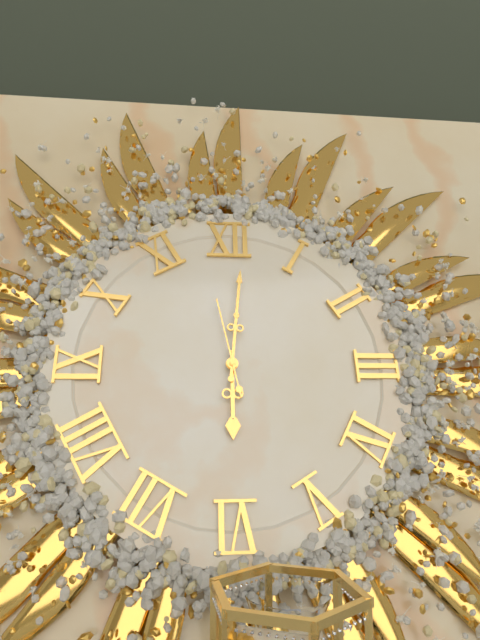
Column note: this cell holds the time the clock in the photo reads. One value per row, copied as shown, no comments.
6:01:58
